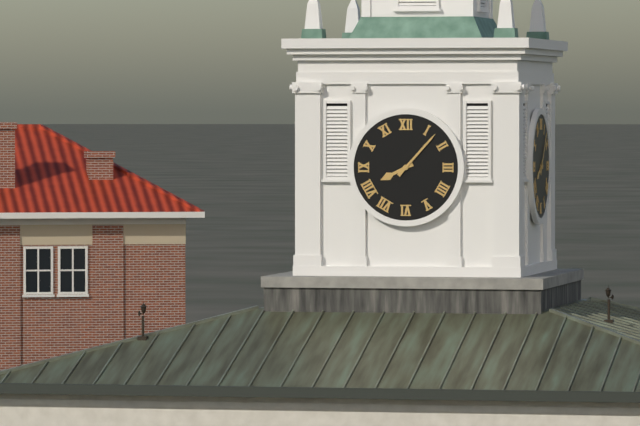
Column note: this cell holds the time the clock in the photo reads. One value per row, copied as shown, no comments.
8:07
